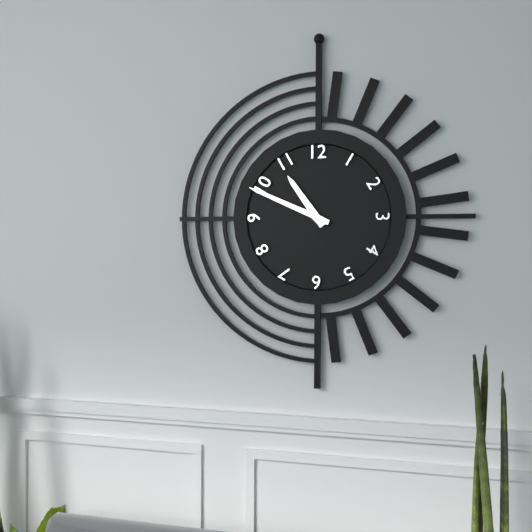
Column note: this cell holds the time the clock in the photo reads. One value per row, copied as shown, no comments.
10:49
